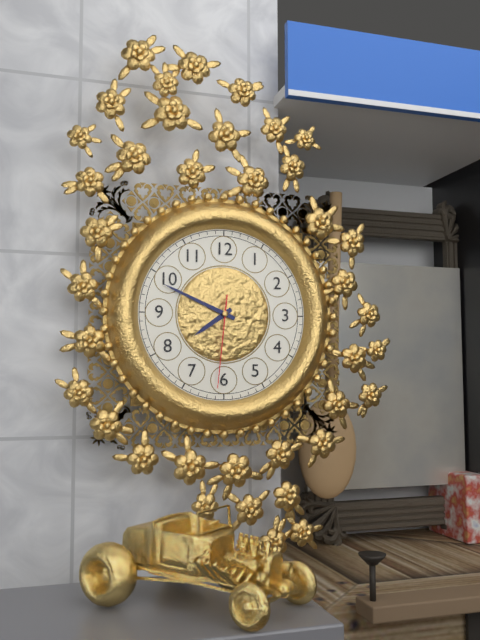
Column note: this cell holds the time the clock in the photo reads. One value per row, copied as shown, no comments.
7:49:31
